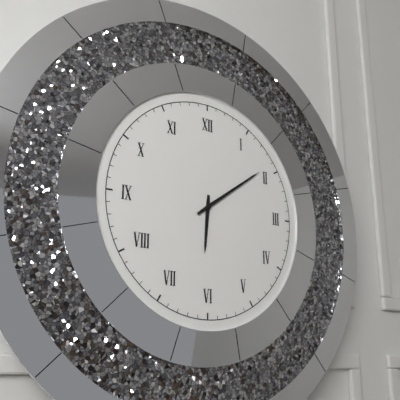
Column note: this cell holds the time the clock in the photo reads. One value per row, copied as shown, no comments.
6:09
